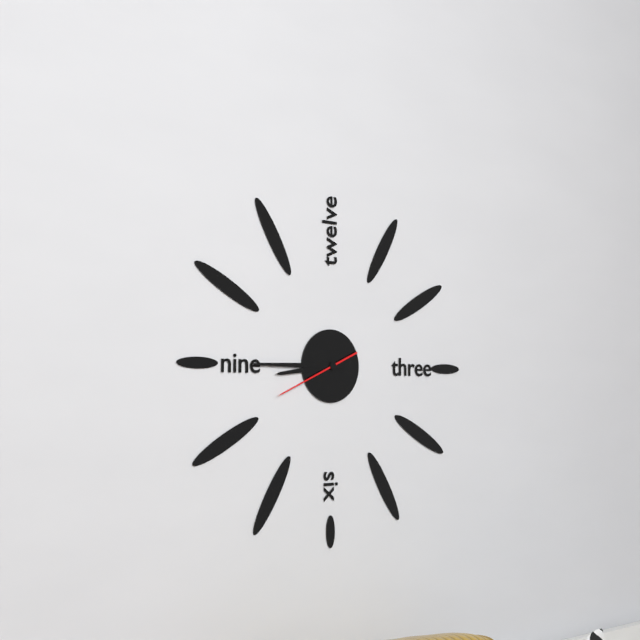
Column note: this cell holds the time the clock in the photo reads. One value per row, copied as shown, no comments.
8:45:41
